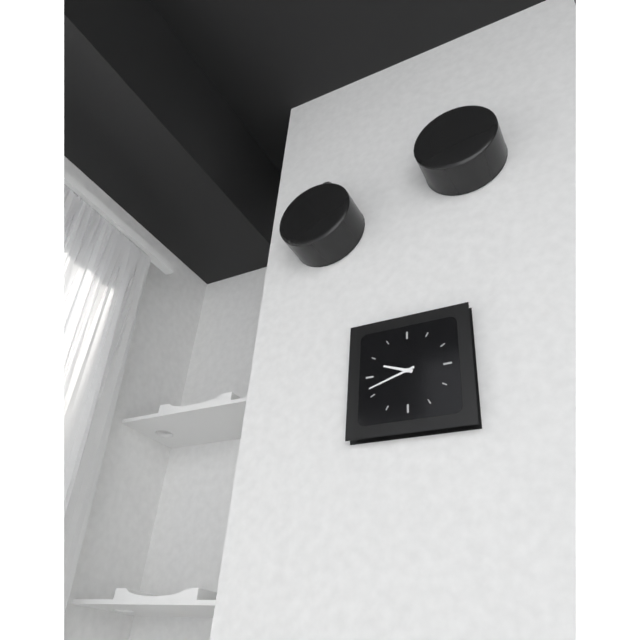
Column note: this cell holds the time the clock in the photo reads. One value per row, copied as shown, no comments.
9:42
